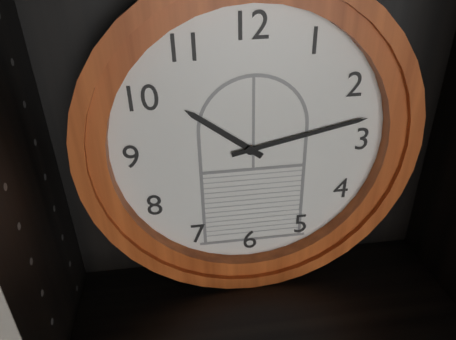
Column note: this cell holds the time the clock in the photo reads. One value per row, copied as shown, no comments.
10:13
